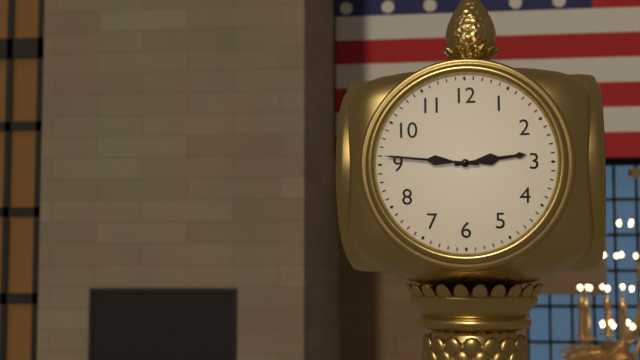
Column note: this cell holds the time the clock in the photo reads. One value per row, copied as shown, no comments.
2:46
